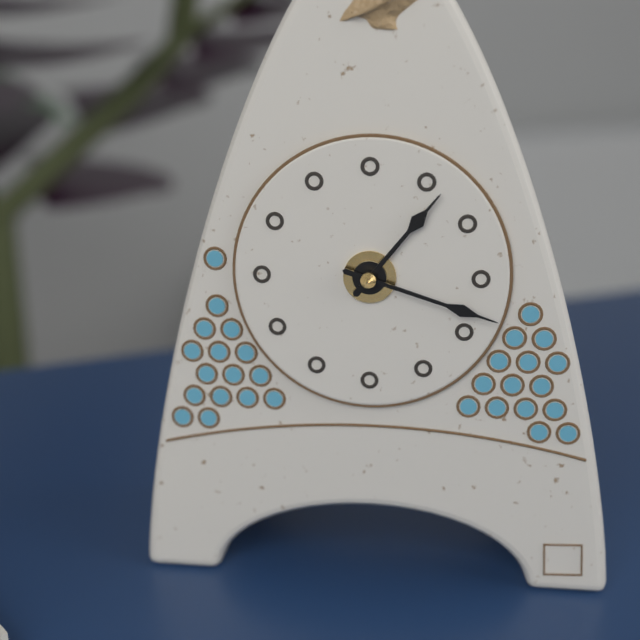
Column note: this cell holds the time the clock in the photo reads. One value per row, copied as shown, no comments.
1:18
